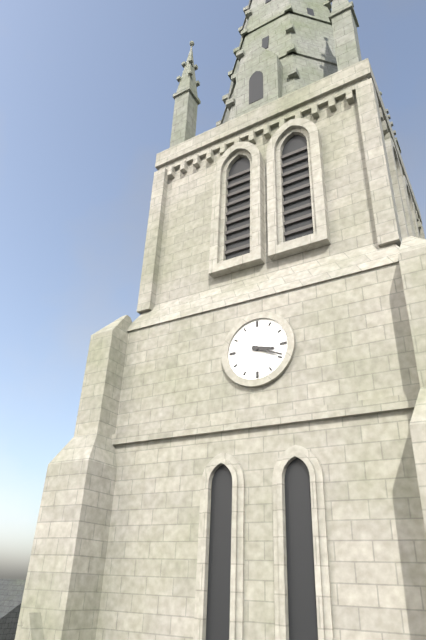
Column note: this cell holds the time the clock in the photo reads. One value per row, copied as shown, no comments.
3:19
